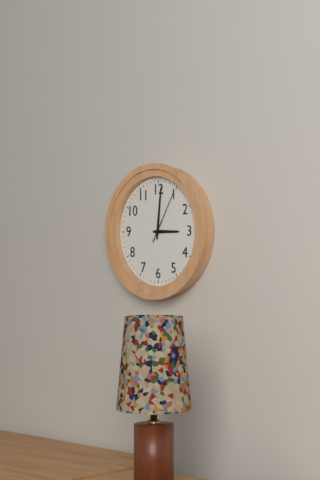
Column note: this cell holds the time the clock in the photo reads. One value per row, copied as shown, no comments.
3:01:05
